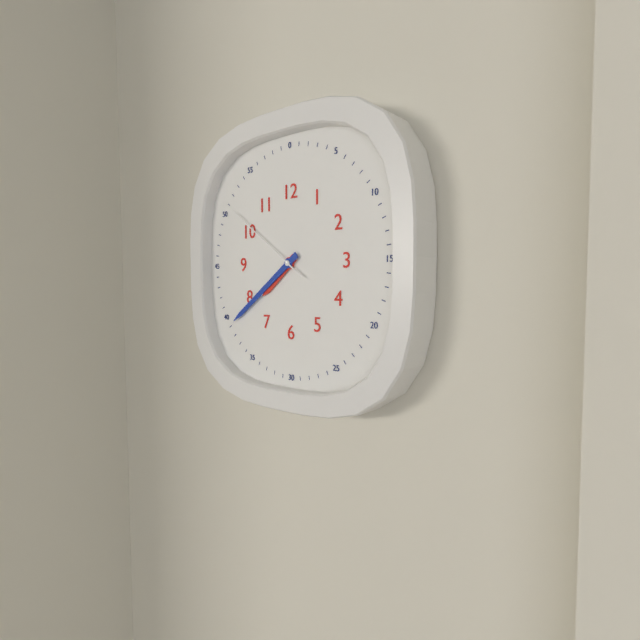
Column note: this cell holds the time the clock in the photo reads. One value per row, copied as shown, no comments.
7:39:51
